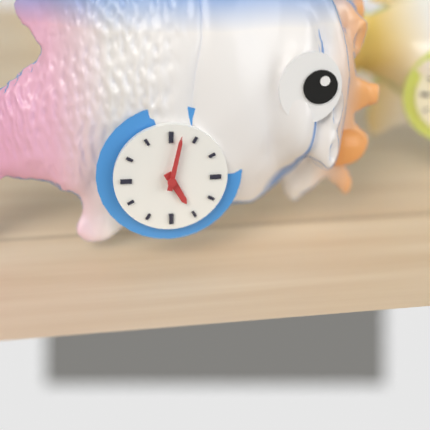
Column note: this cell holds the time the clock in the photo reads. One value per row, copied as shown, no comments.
5:02
